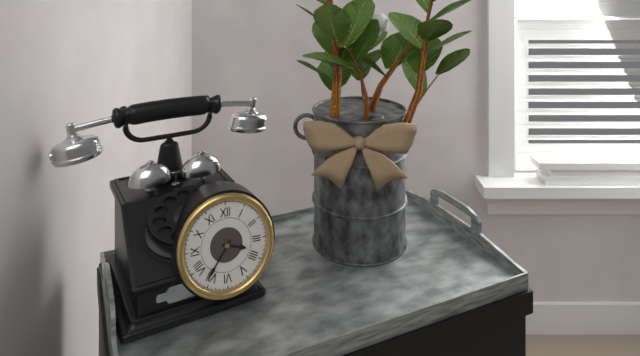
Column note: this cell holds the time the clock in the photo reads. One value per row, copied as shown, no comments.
3:36
